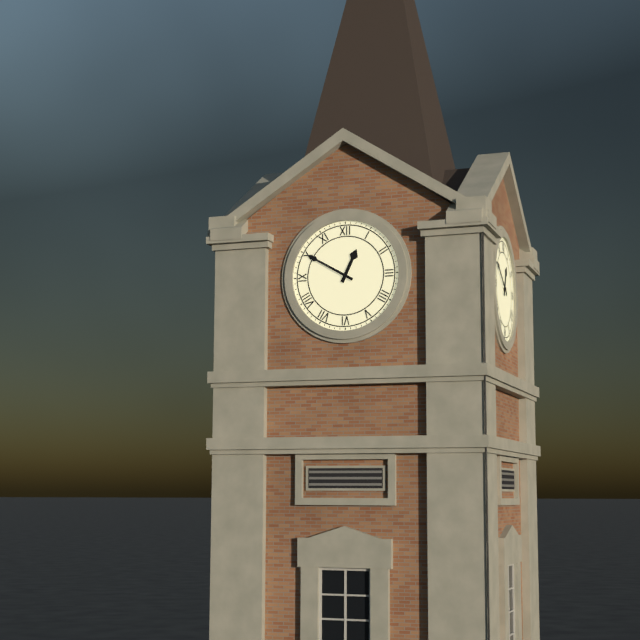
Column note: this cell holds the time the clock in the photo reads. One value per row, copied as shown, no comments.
12:50
